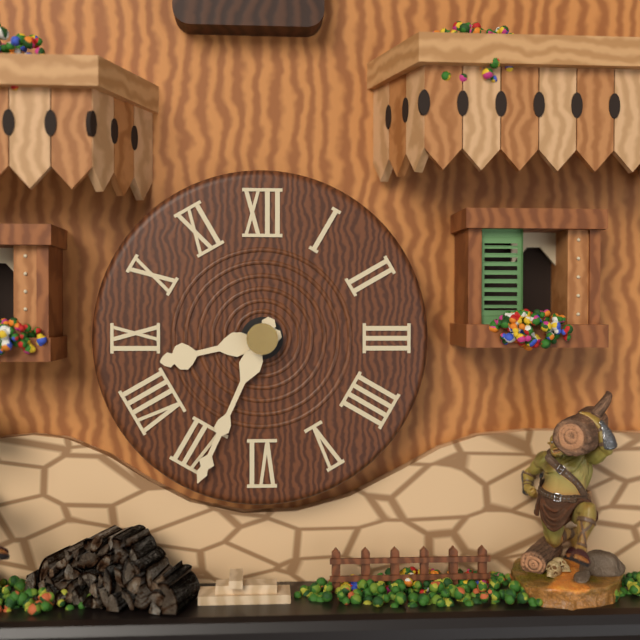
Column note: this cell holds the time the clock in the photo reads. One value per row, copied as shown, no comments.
8:34
